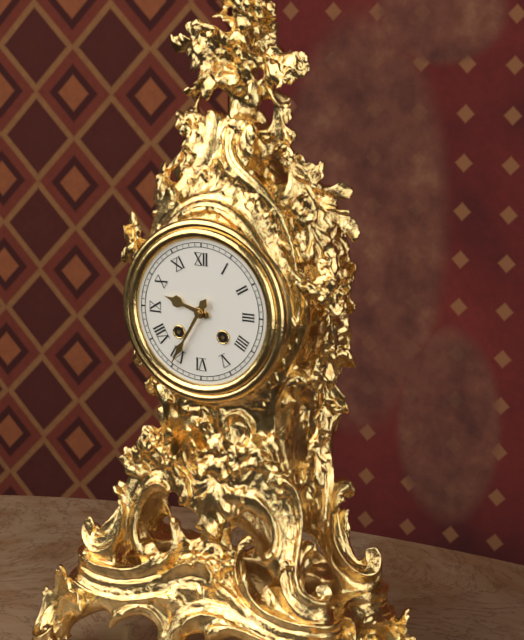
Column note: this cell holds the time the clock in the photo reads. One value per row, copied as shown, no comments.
9:35
